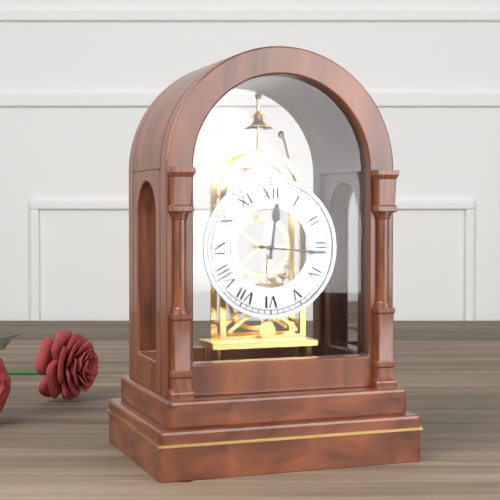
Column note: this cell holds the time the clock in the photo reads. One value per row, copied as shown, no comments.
12:16
